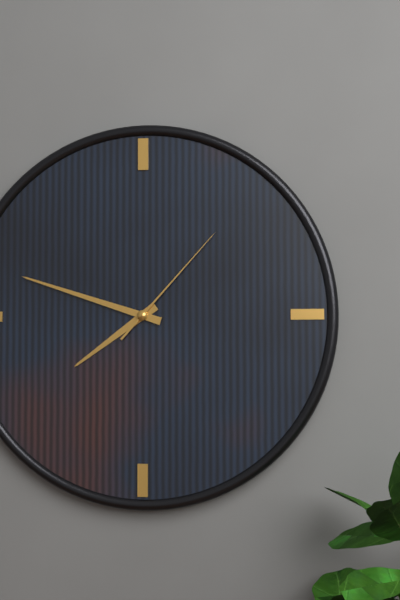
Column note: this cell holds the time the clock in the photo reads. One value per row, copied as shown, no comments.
7:48:07
